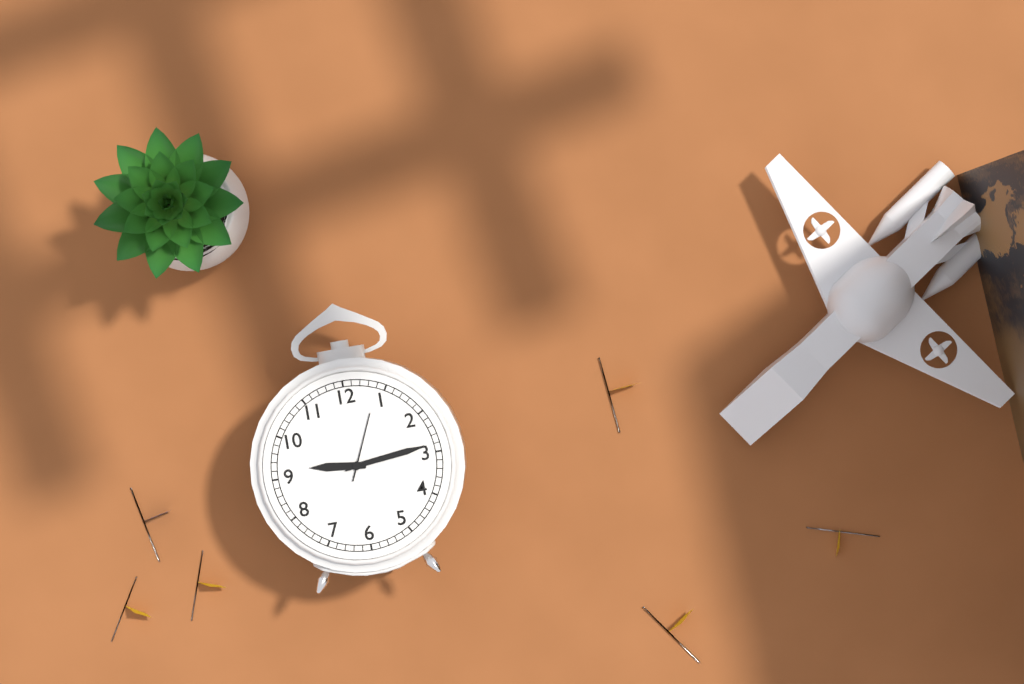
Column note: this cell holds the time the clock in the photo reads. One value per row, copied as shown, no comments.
9:14:04
